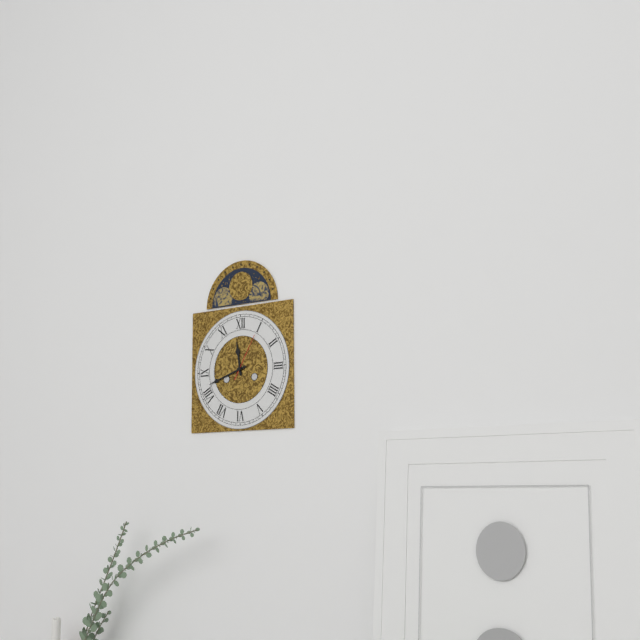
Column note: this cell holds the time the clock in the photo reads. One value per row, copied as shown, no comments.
11:42
